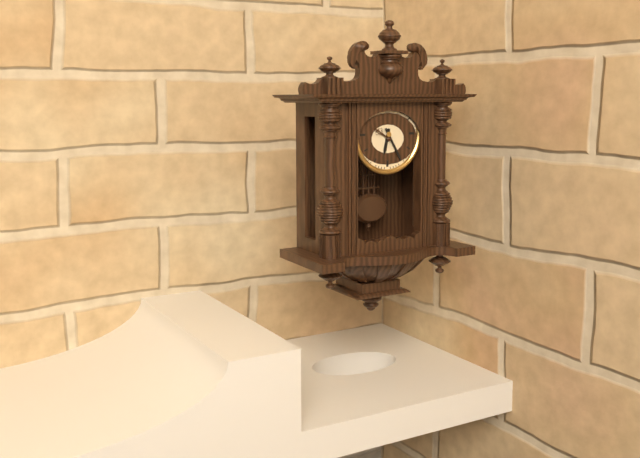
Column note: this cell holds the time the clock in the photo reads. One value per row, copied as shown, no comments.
6:25
